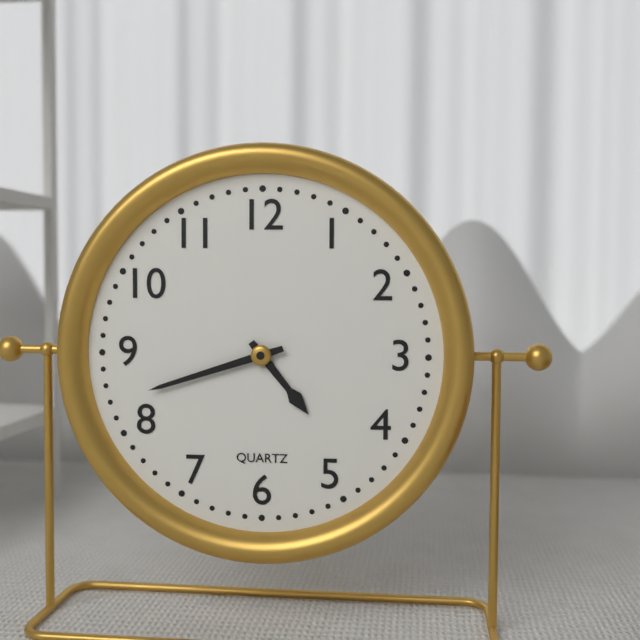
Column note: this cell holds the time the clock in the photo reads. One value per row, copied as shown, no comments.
4:42
